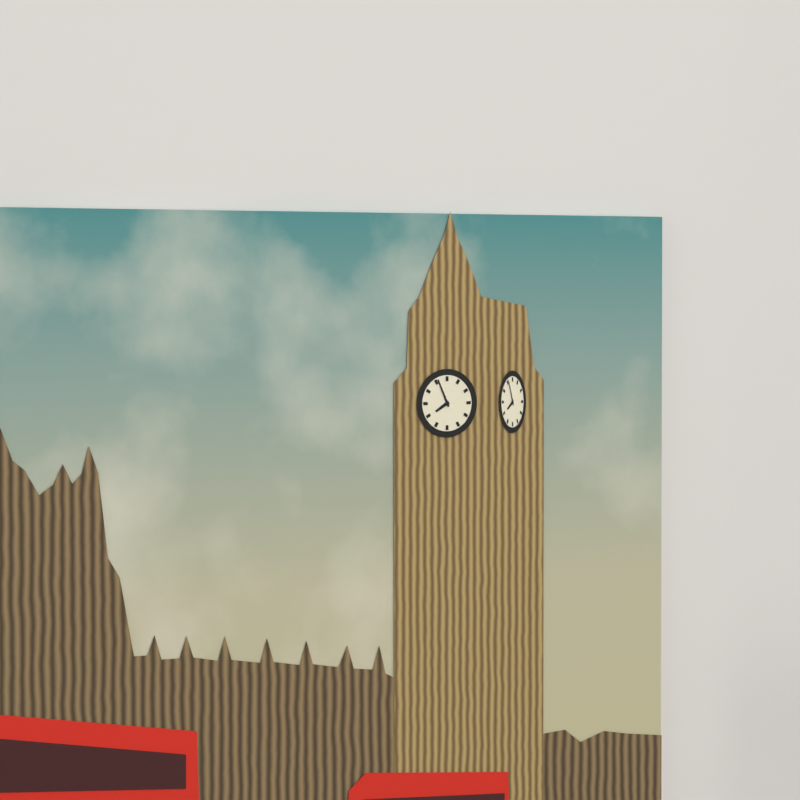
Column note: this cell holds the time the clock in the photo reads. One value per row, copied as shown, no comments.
7:56
